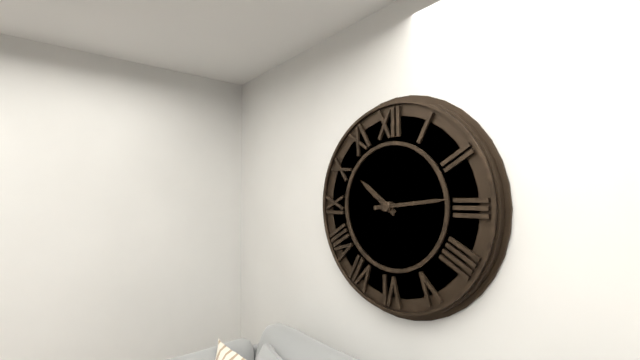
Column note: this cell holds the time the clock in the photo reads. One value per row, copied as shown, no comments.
10:14
